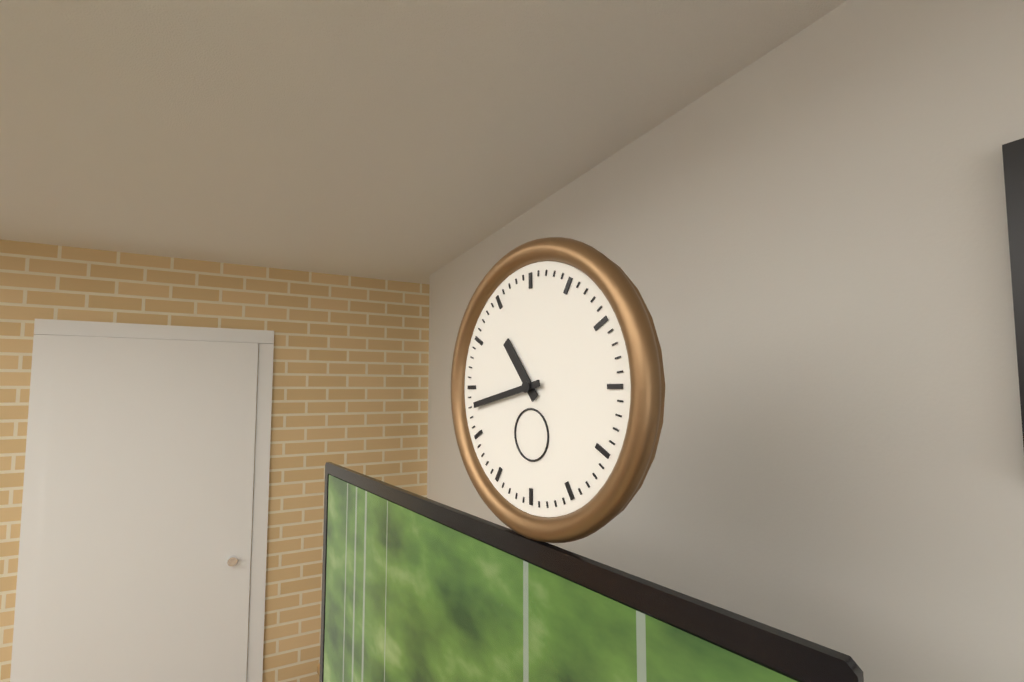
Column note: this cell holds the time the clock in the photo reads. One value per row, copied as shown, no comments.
10:43
